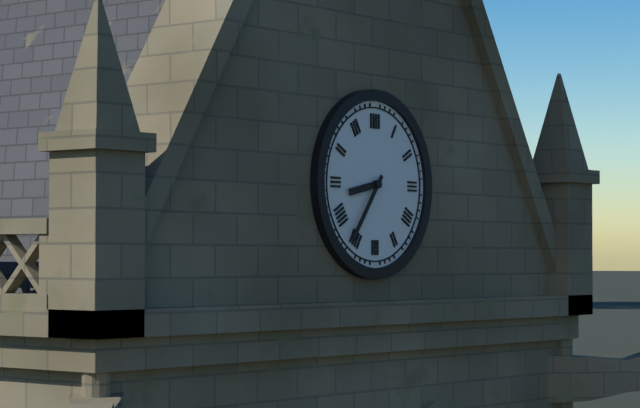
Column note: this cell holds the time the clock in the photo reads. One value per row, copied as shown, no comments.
8:36
